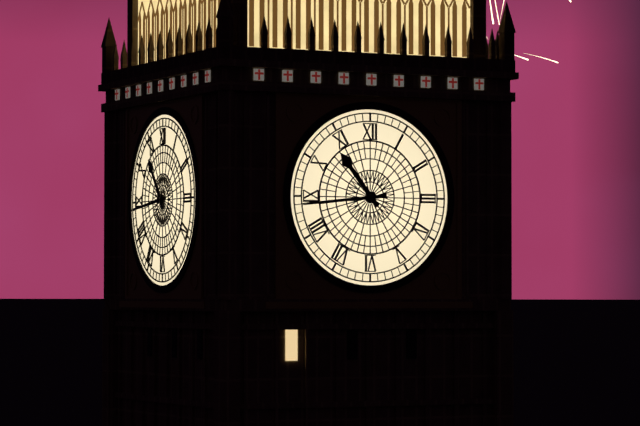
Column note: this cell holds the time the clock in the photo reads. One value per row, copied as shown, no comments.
10:44
